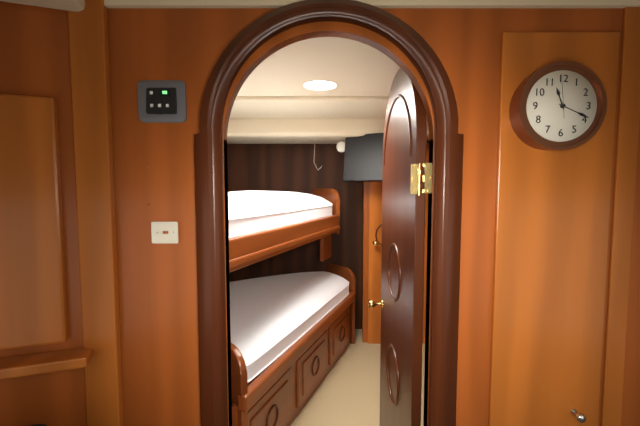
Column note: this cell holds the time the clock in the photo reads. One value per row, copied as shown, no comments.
11:19
